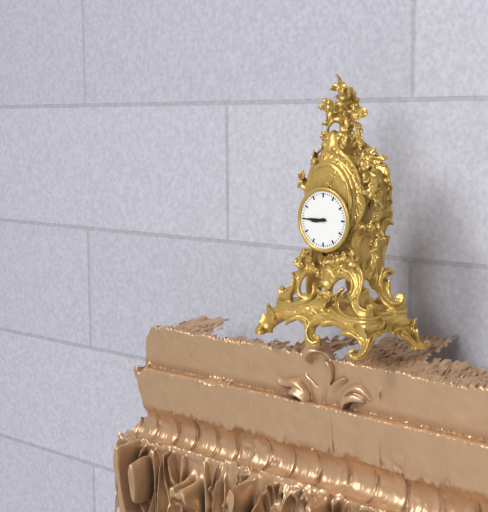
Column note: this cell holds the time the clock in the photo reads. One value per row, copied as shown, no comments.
8:45
